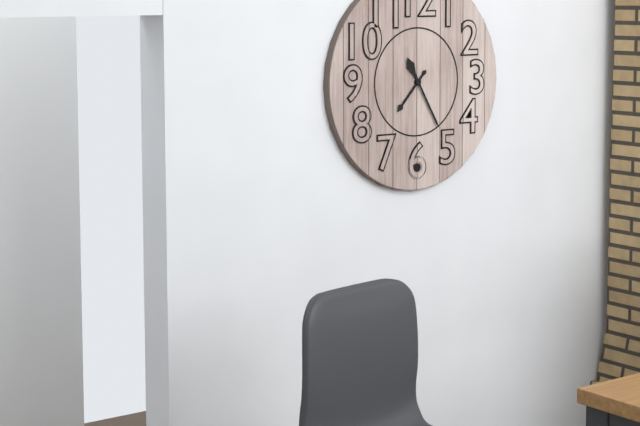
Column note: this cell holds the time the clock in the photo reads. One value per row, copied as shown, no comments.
7:25
